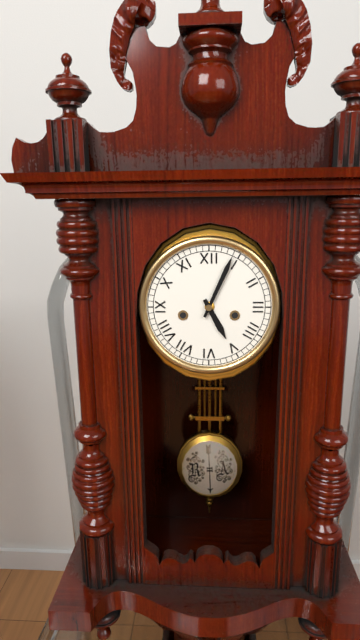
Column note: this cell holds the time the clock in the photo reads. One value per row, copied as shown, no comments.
5:04
